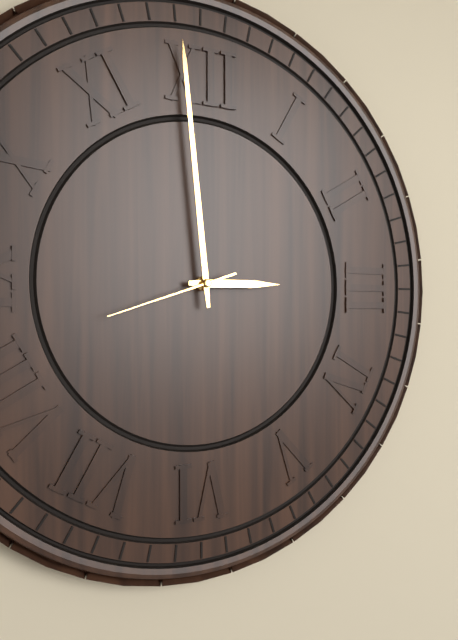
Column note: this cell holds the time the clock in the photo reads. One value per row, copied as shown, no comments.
2:59:42
